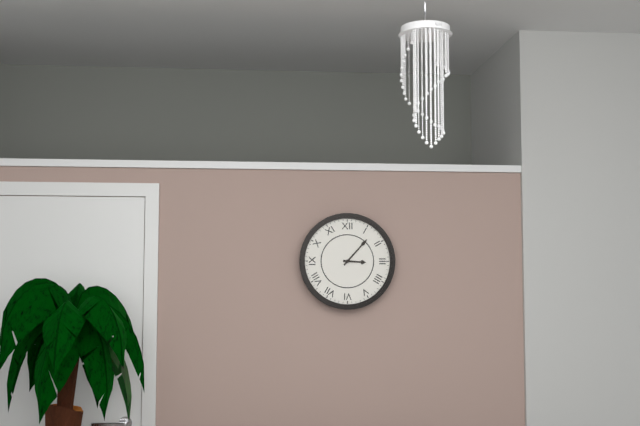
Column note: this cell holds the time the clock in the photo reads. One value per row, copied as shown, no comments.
3:07
